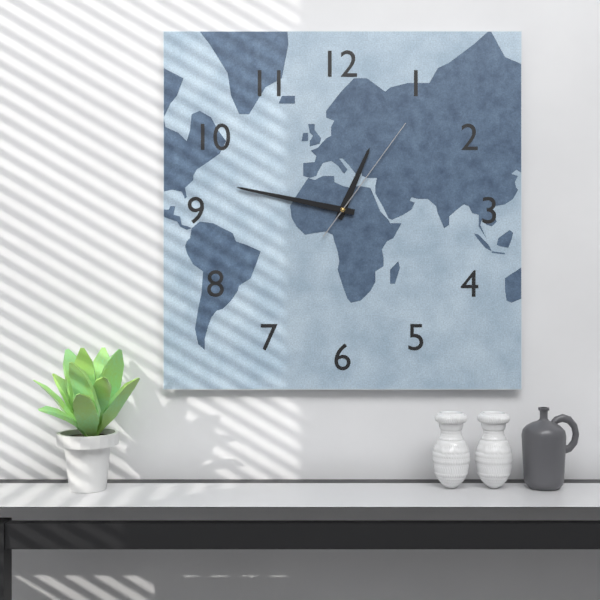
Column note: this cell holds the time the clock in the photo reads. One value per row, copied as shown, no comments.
12:47:06
